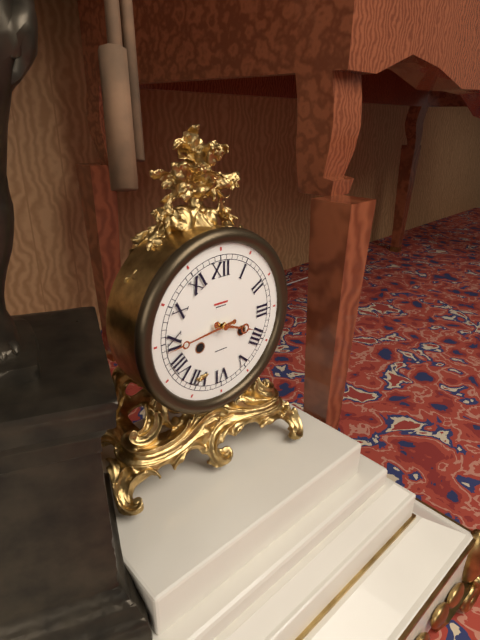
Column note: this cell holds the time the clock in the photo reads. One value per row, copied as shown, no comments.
3:44
